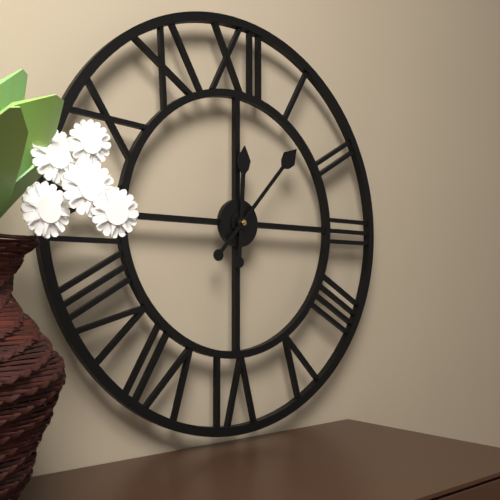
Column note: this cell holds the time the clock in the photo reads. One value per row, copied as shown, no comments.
12:07
